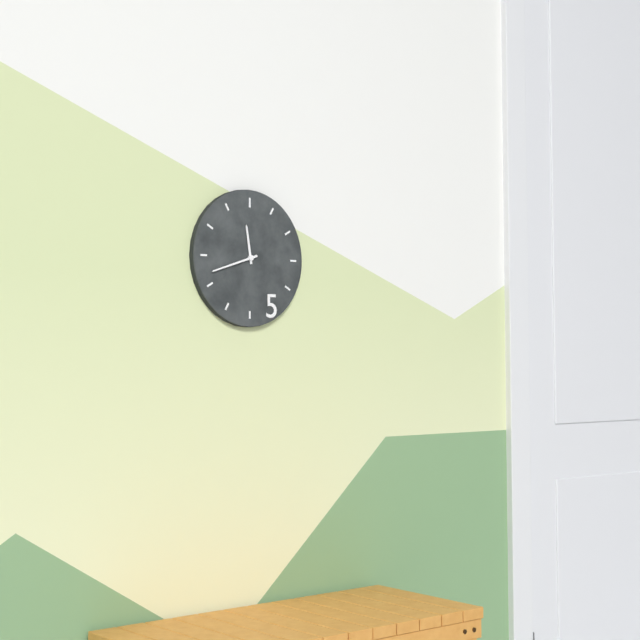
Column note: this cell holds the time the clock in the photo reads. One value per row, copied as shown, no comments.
11:42
